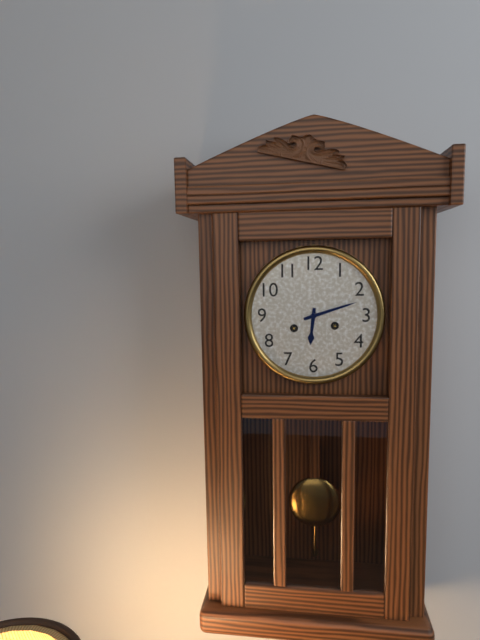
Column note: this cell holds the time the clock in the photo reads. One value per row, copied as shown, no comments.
6:12
